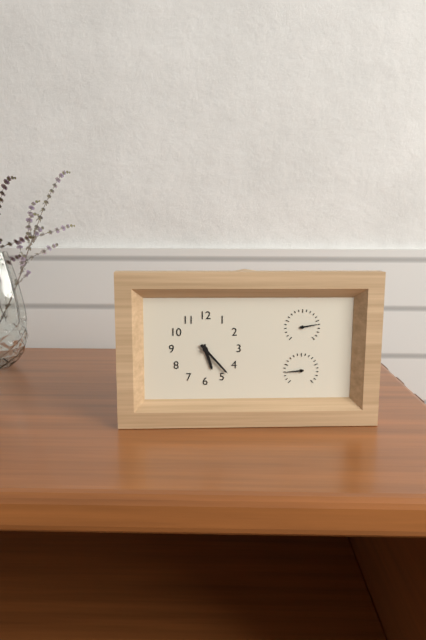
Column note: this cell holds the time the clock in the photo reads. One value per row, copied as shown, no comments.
5:23
